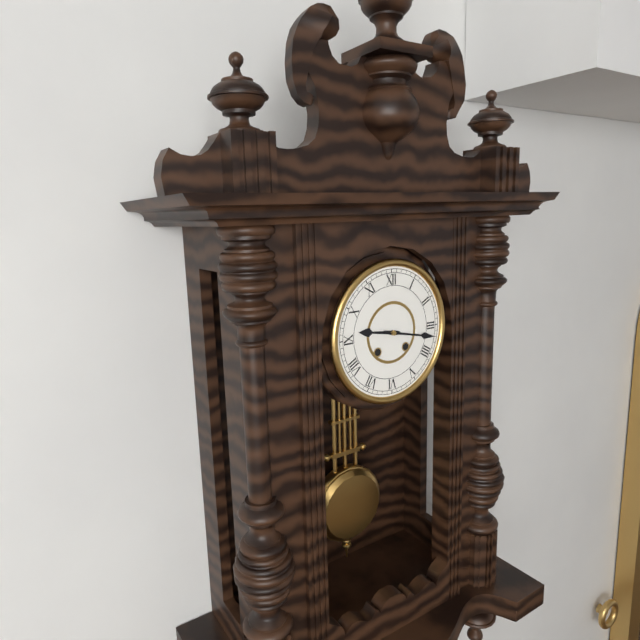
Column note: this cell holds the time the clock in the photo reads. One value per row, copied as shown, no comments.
9:17
